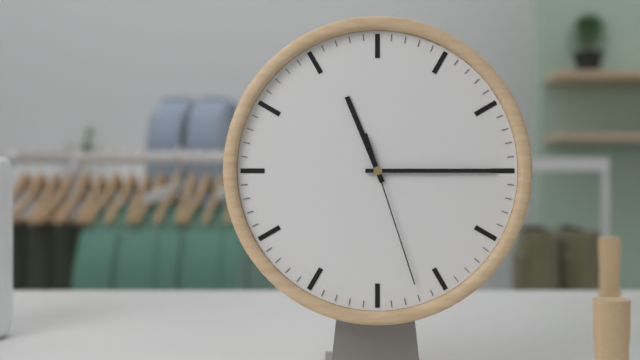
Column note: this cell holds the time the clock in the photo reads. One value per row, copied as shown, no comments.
11:15:27
